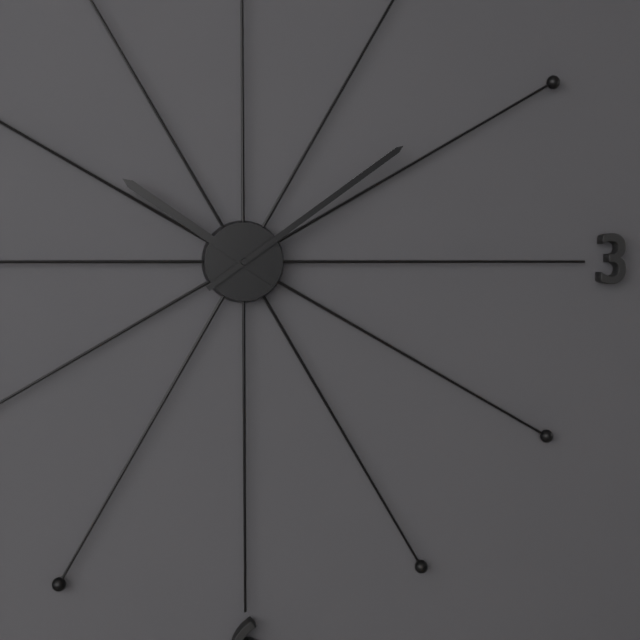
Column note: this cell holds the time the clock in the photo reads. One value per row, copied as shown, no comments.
10:09
